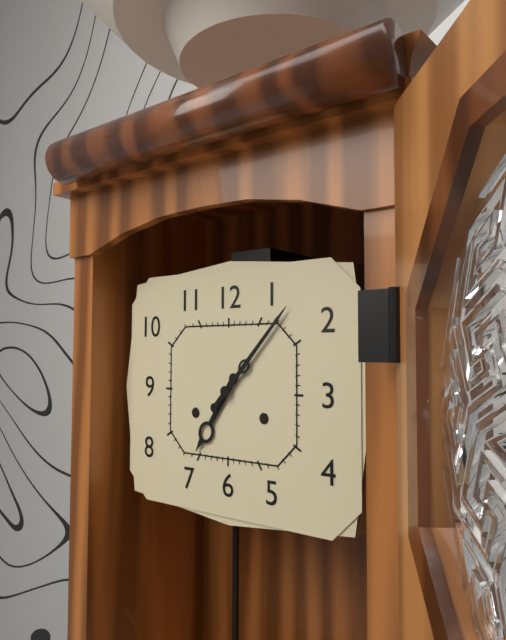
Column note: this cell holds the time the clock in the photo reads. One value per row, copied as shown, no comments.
7:07
